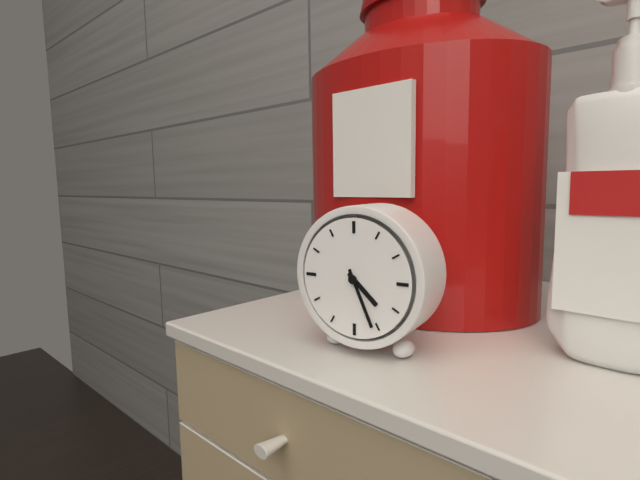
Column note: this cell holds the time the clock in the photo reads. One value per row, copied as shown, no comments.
4:26
